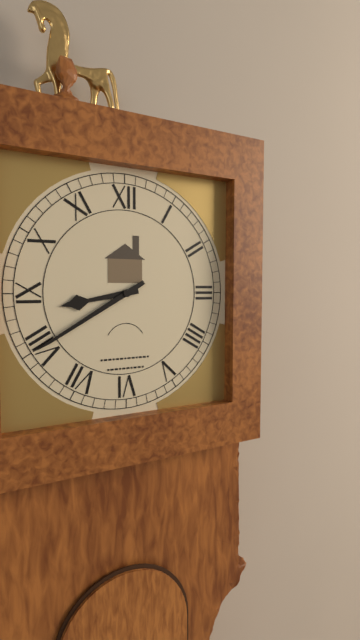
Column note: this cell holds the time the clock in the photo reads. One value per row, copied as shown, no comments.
8:40
